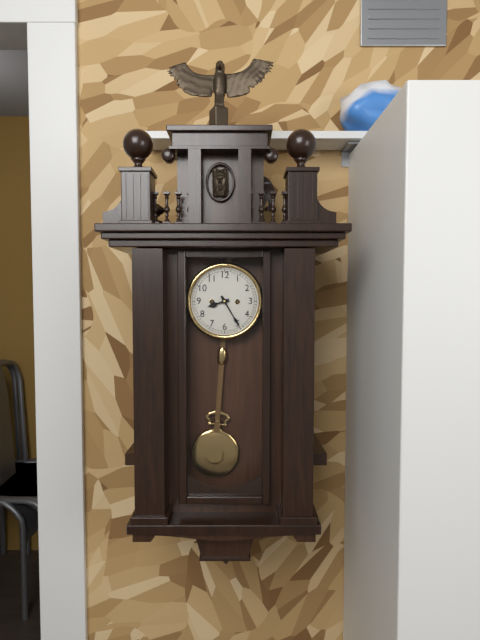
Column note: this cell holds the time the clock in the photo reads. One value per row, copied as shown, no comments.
8:25
